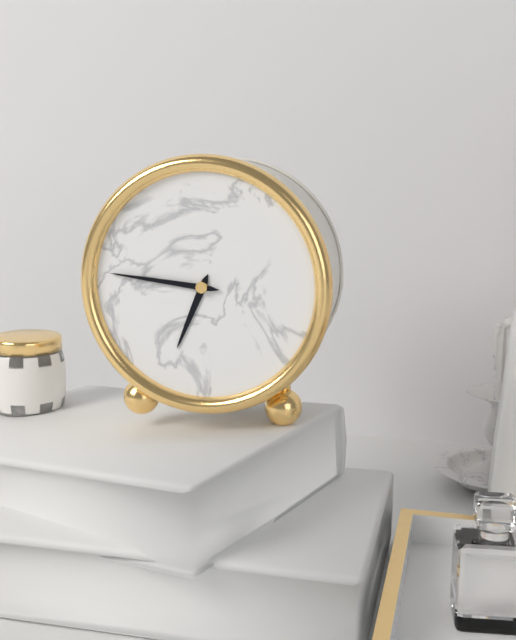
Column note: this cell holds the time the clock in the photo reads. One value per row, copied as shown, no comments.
6:46
